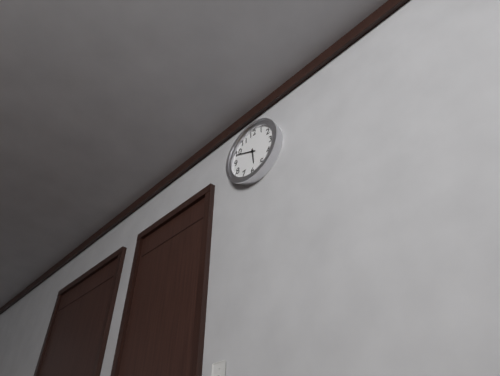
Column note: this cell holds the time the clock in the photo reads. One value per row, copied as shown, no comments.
5:49
